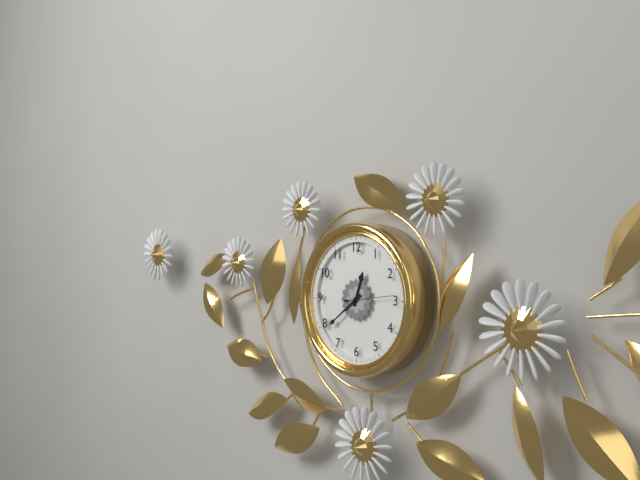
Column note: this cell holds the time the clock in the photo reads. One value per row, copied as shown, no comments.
12:39
